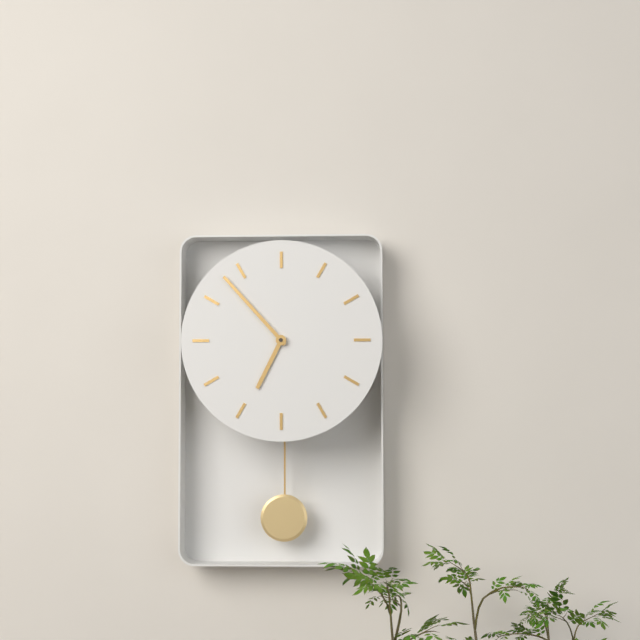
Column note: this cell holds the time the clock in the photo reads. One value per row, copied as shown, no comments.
6:53
